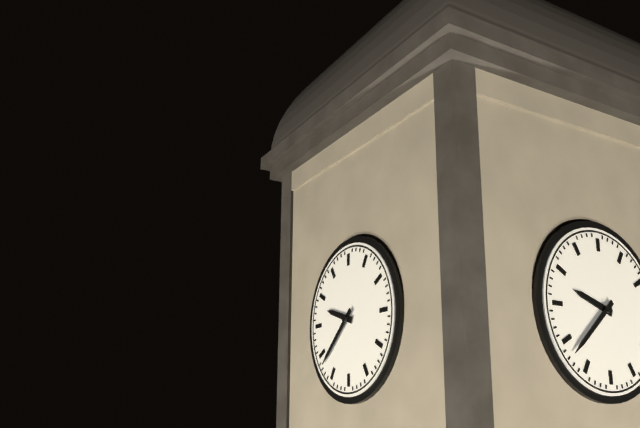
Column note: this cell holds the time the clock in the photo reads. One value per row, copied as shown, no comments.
9:38
